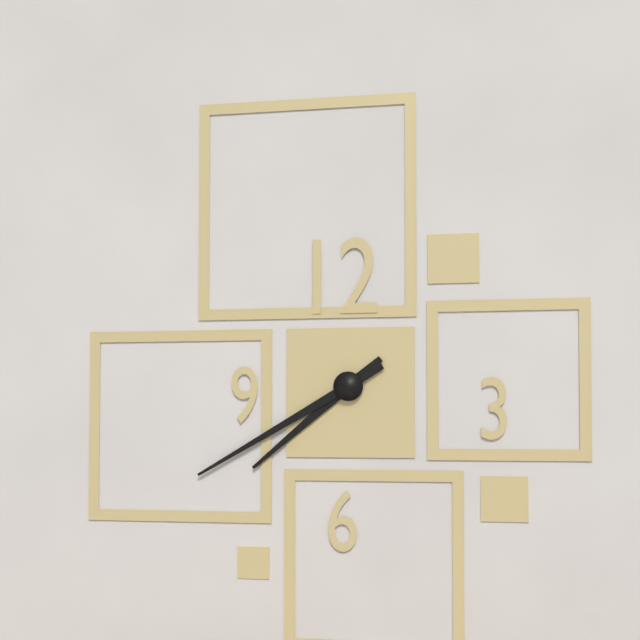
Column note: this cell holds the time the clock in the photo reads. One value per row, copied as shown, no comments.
7:40
